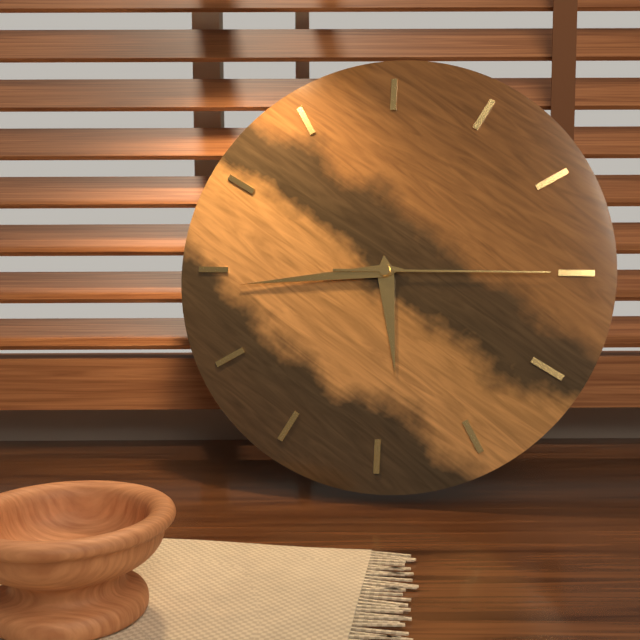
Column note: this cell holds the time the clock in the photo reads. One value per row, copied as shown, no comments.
5:44:15
